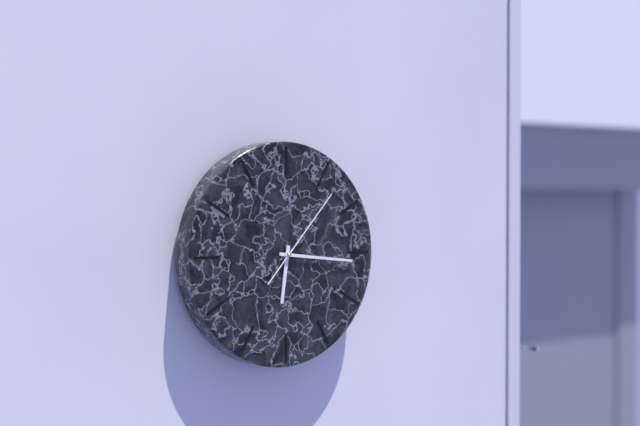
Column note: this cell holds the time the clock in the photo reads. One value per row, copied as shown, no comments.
6:16:07
